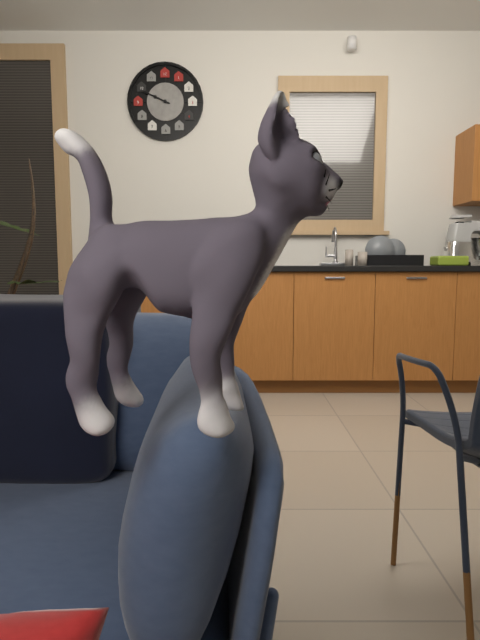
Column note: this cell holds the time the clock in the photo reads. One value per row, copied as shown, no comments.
9:49
